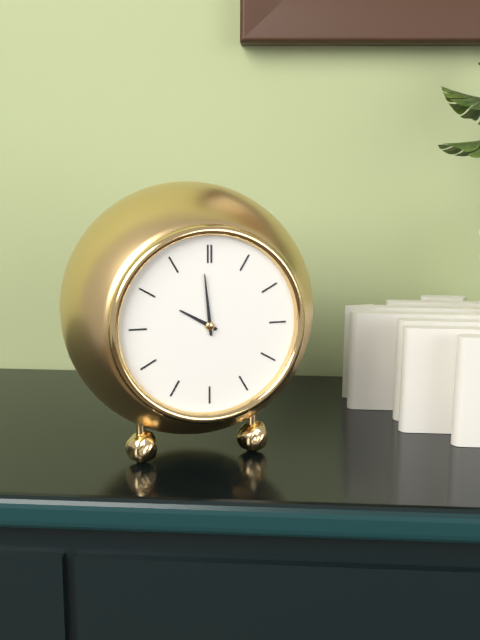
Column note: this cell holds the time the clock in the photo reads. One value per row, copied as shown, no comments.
9:59
